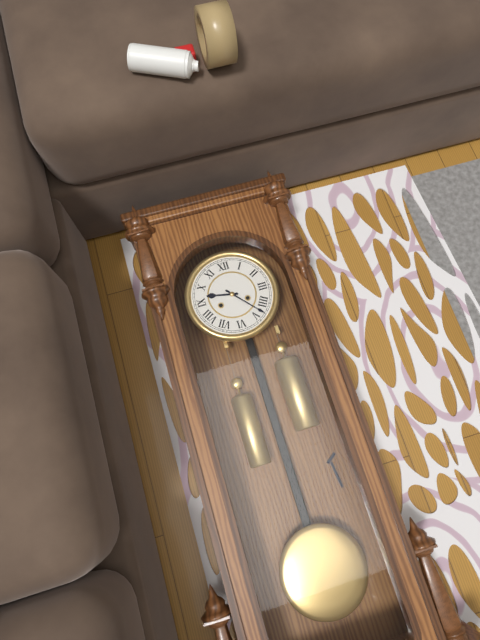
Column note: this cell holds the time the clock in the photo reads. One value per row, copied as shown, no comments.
9:23
